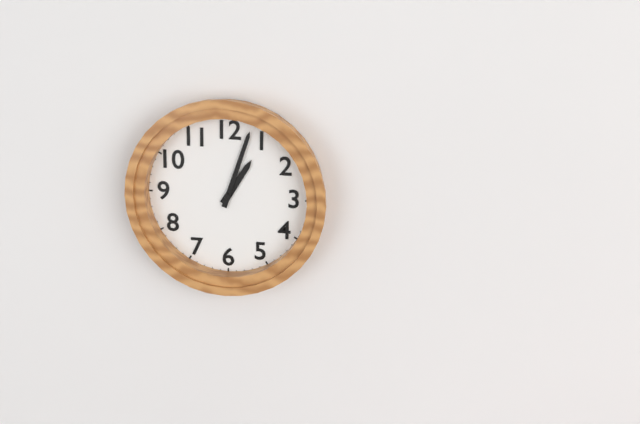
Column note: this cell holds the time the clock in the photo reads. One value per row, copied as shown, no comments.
1:03
